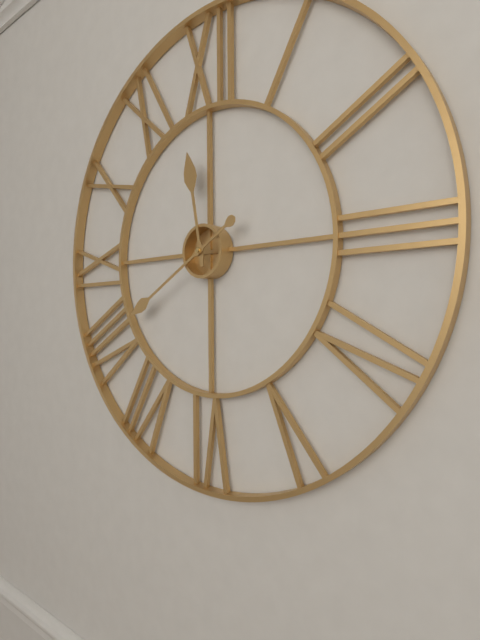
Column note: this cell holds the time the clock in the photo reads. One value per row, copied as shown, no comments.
11:40
